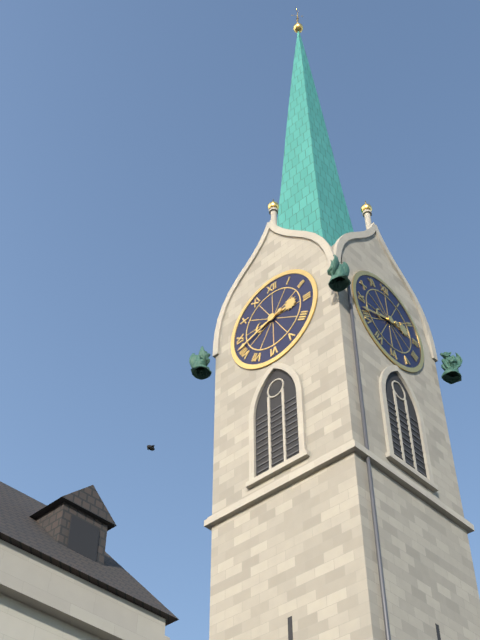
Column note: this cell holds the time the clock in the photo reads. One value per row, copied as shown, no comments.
2:42
